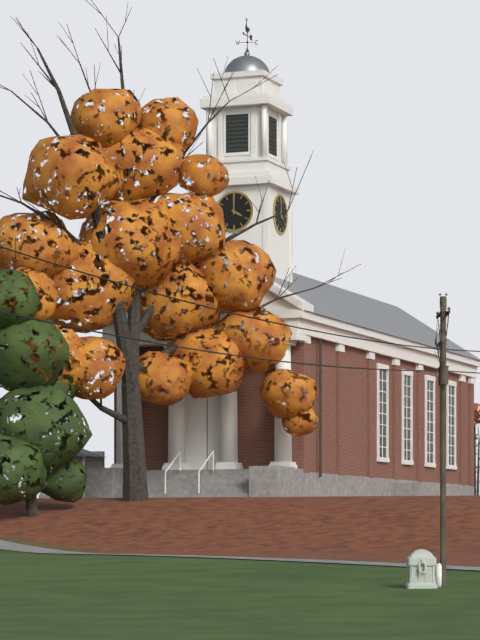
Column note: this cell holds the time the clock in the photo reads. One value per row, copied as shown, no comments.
4:00
